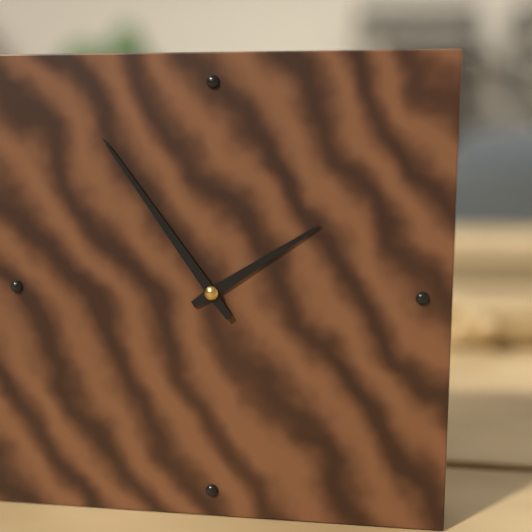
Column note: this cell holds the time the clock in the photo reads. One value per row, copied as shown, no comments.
1:54
